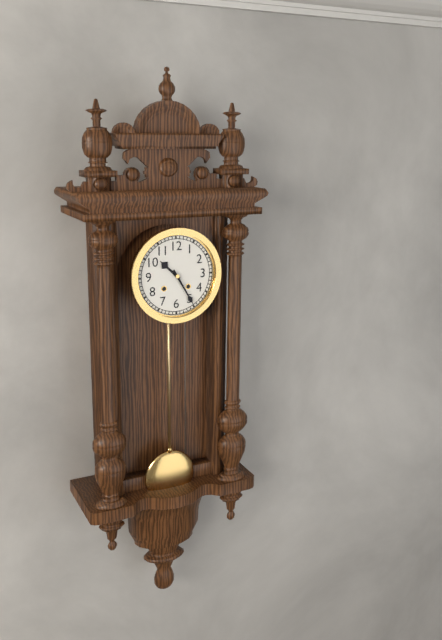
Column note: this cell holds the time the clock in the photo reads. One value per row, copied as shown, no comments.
10:25
